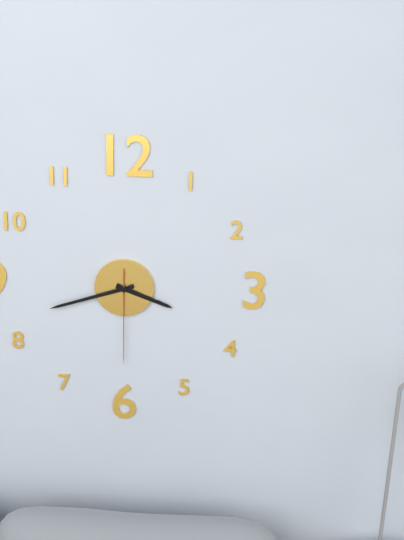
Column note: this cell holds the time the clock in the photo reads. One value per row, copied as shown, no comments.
3:42:30
